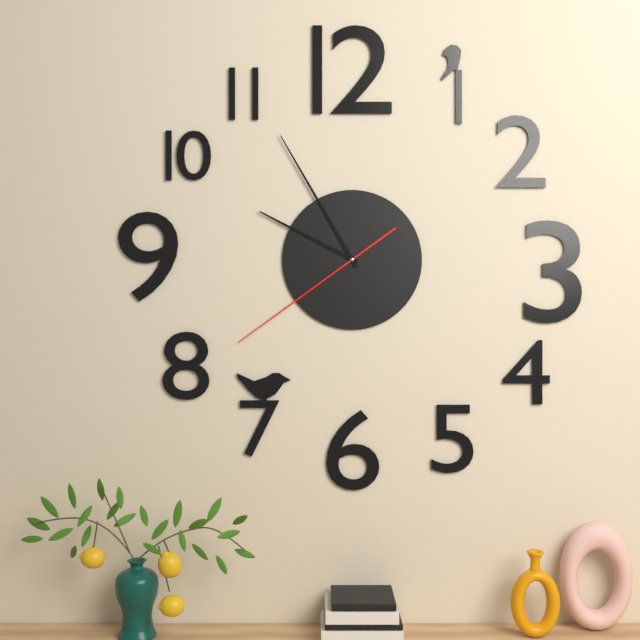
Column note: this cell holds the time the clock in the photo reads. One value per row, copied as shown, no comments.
9:55:39
